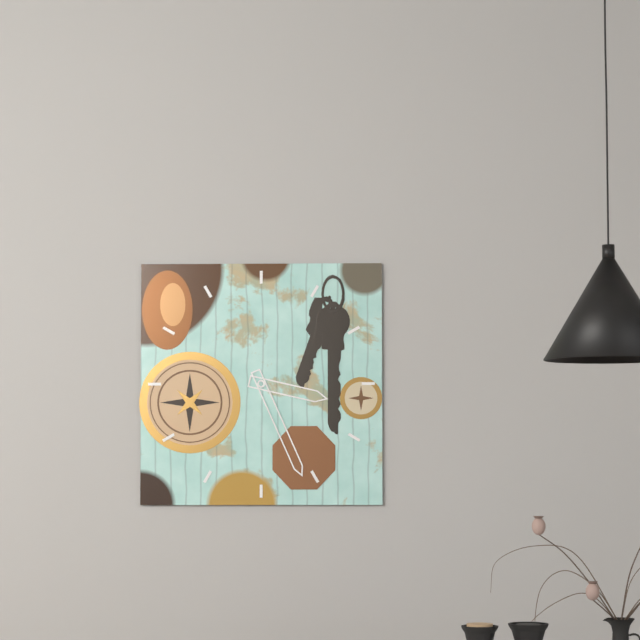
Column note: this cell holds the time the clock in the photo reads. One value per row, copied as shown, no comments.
3:26
